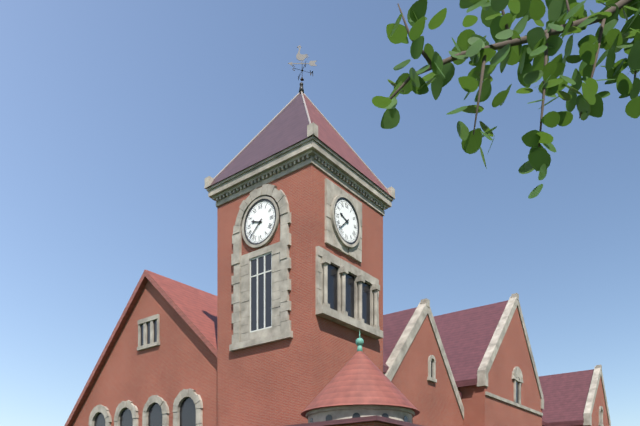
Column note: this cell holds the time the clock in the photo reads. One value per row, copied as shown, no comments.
9:38
